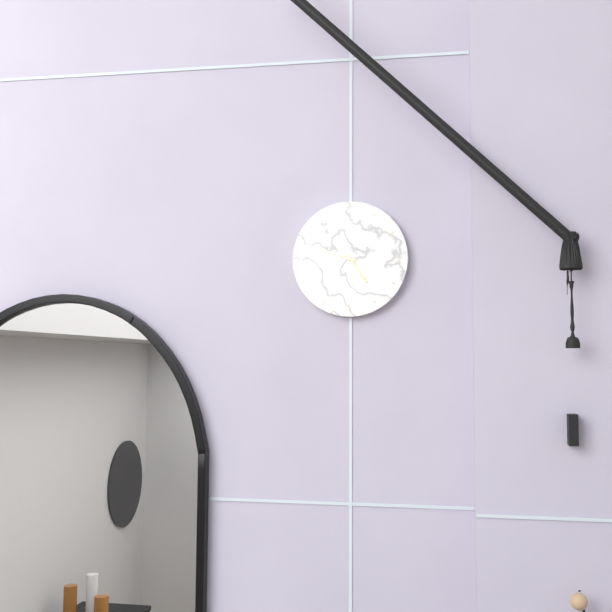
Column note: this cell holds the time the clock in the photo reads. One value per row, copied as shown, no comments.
4:48
